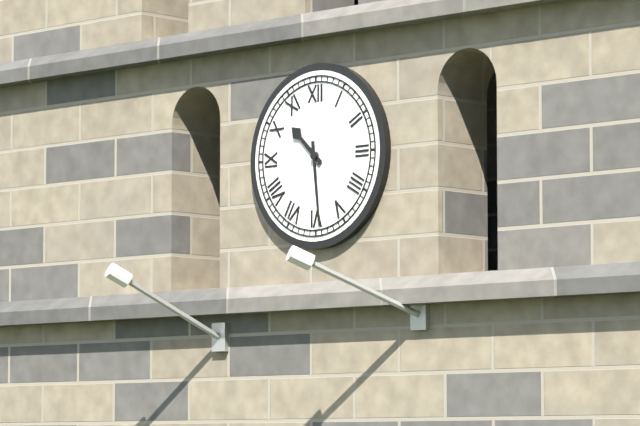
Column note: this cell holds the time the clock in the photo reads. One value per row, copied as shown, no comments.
10:29
